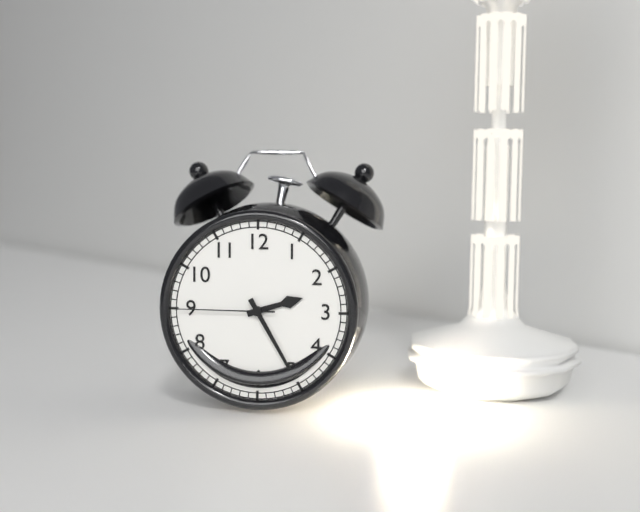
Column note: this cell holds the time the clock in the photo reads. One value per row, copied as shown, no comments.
2:25:45
